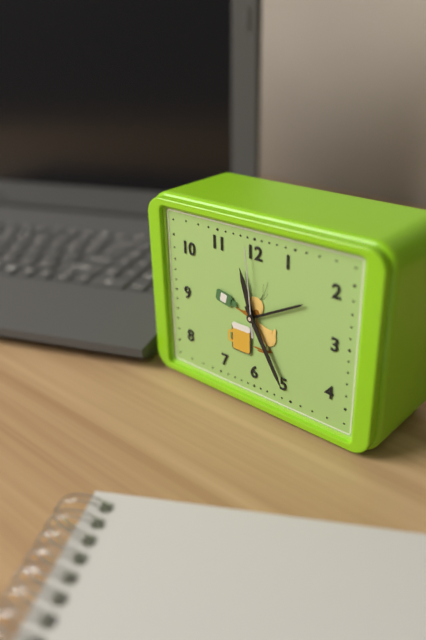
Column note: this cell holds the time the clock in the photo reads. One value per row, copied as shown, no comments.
11:25:59
